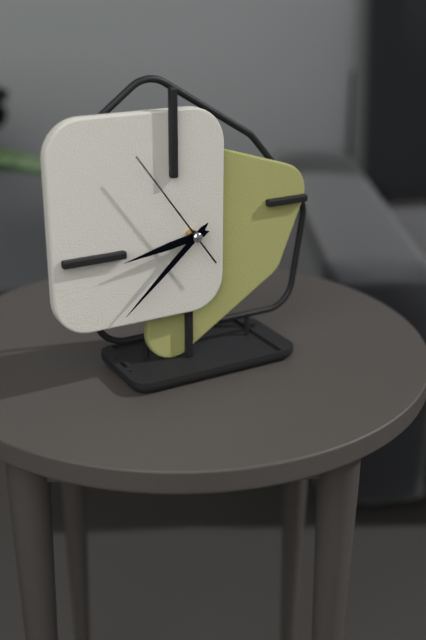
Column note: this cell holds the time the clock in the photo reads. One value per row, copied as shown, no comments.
8:38:54
